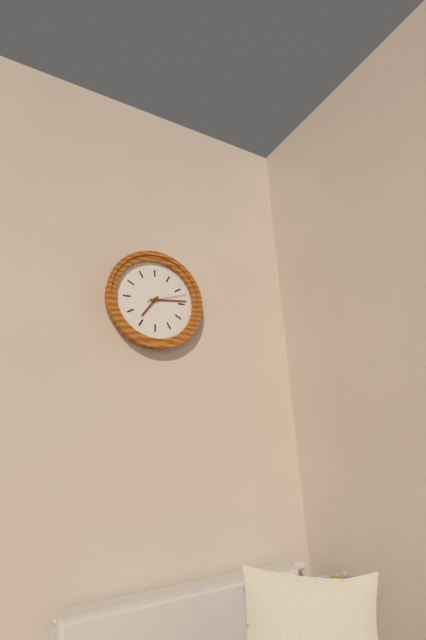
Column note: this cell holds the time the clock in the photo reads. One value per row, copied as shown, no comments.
7:14
